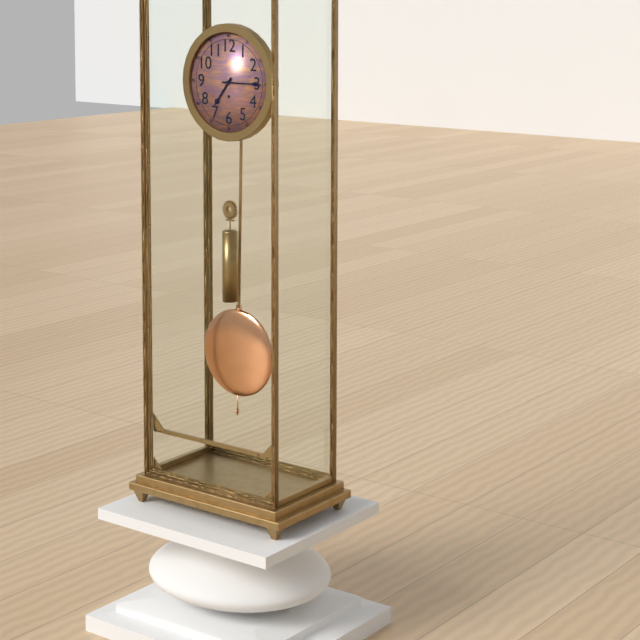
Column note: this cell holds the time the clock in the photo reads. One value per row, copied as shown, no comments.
7:15
